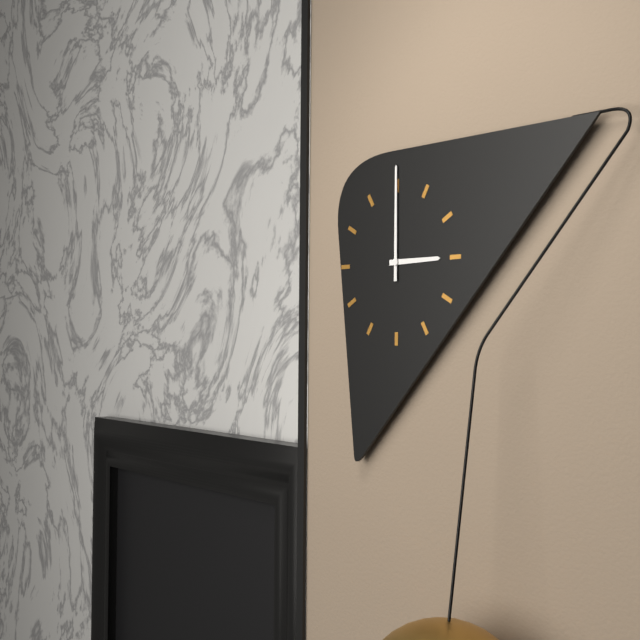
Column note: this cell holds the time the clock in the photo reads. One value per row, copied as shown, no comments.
3:00
